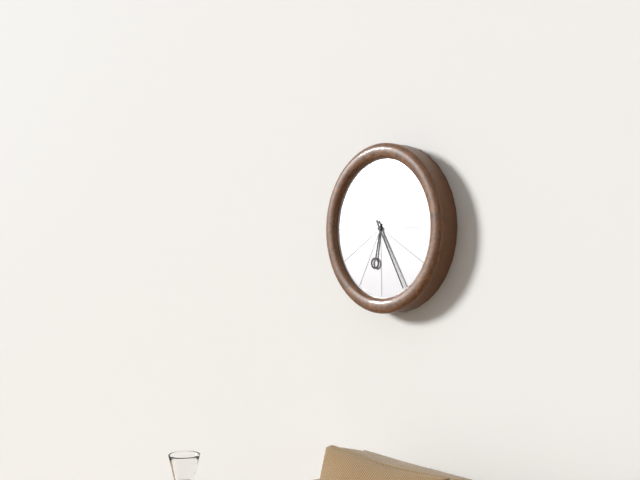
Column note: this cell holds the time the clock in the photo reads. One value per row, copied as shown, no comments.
6:25
